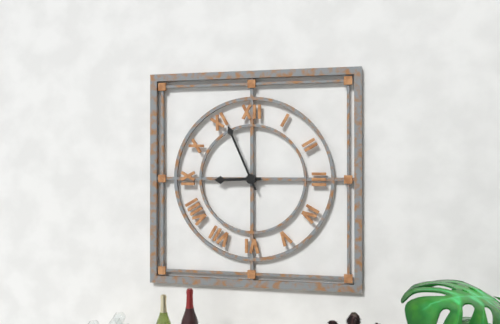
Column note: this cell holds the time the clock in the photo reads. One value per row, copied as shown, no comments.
8:56
